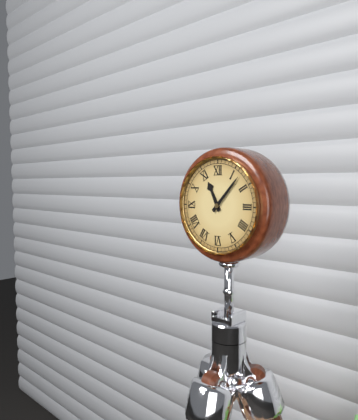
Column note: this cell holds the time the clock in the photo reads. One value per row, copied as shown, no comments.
11:07
